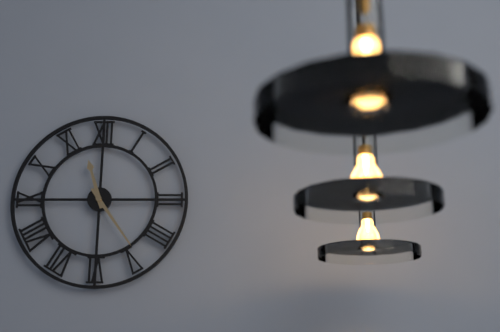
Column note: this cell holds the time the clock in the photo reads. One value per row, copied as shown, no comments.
11:24
